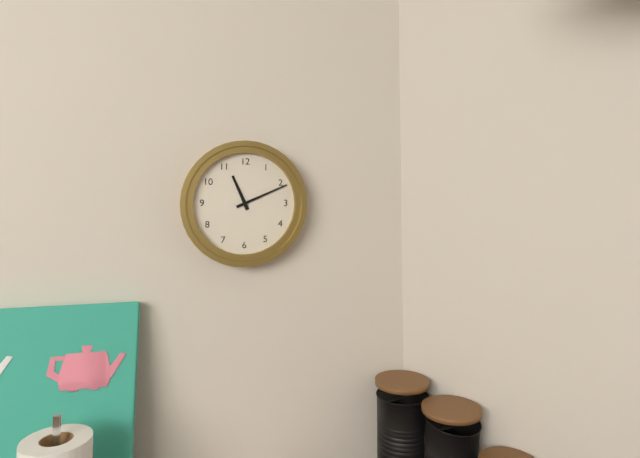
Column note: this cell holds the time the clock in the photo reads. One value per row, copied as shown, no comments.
11:11
